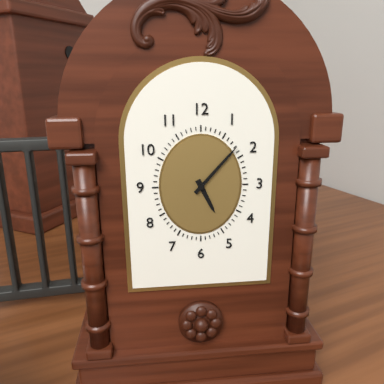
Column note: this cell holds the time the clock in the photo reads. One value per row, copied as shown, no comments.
5:07
